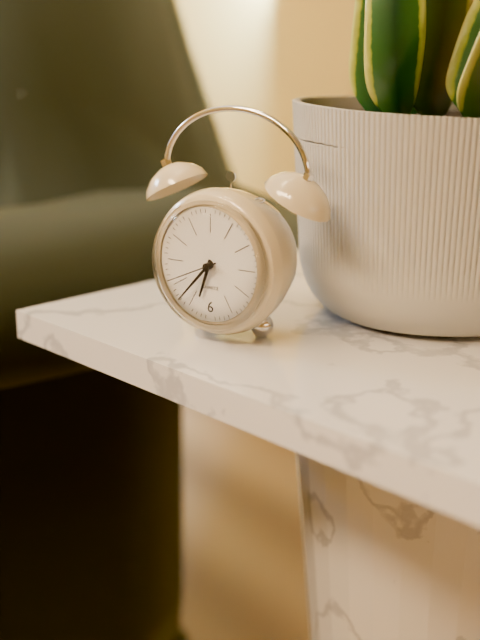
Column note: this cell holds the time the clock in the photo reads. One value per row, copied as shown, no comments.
6:37:41
